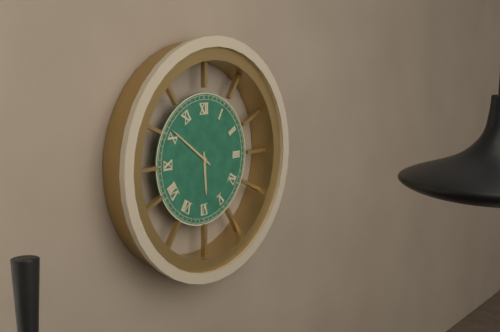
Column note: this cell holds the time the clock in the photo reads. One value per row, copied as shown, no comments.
5:51
